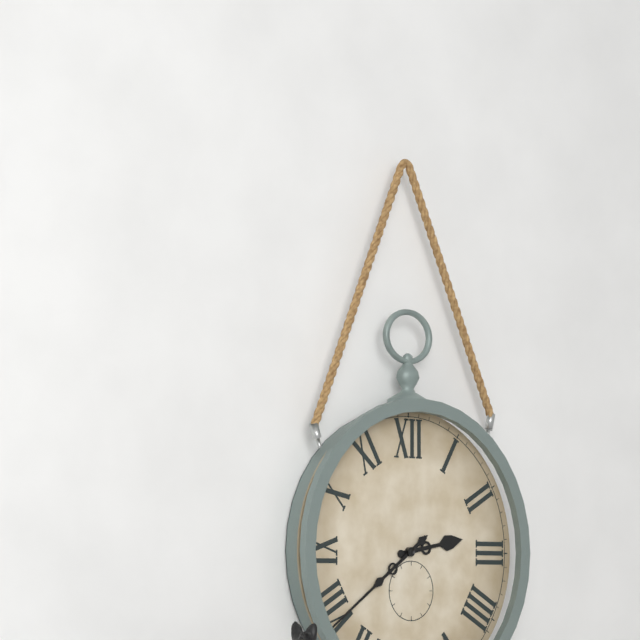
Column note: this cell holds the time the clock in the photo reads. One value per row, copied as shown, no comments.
2:39
